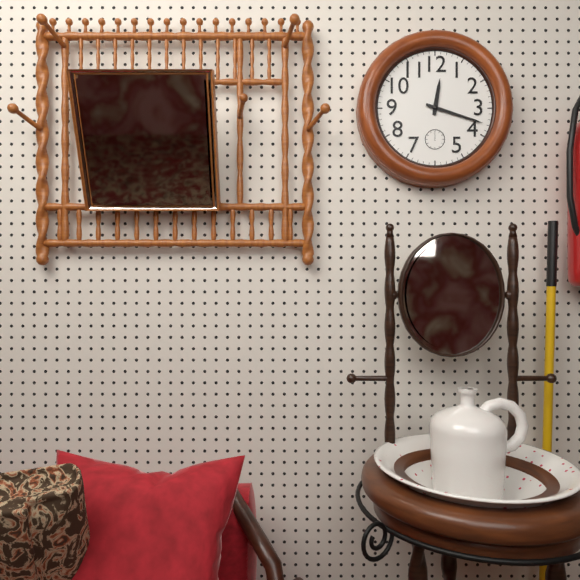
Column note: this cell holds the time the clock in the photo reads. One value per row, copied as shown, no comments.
12:18
